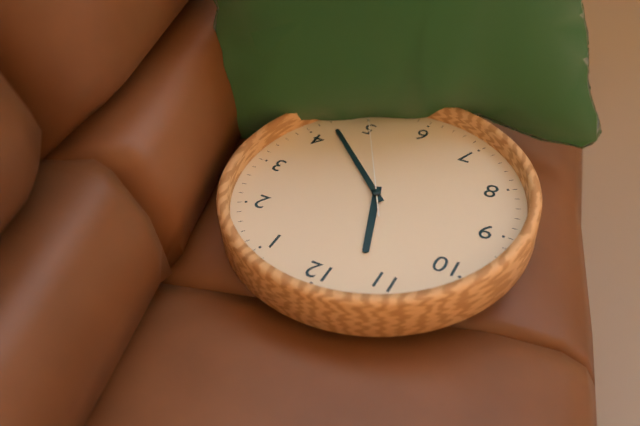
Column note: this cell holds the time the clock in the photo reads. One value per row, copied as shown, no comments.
11:22:25
